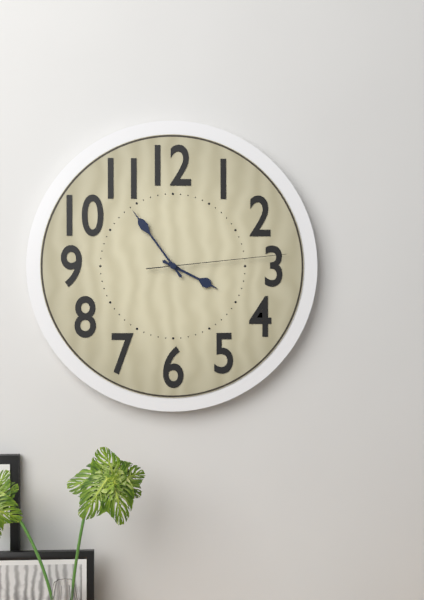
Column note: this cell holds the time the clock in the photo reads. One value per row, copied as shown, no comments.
3:54:14
